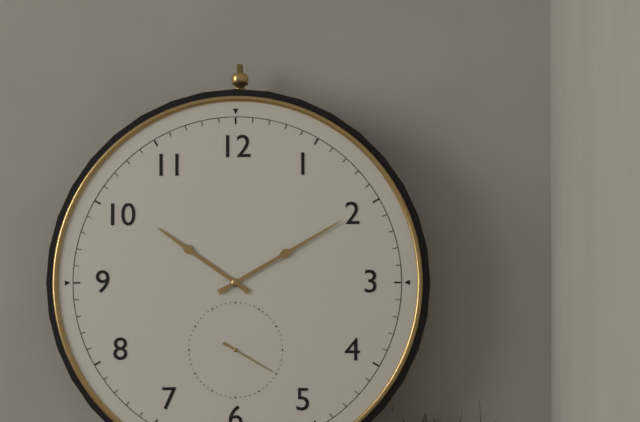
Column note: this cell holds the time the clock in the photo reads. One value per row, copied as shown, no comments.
10:10:20
